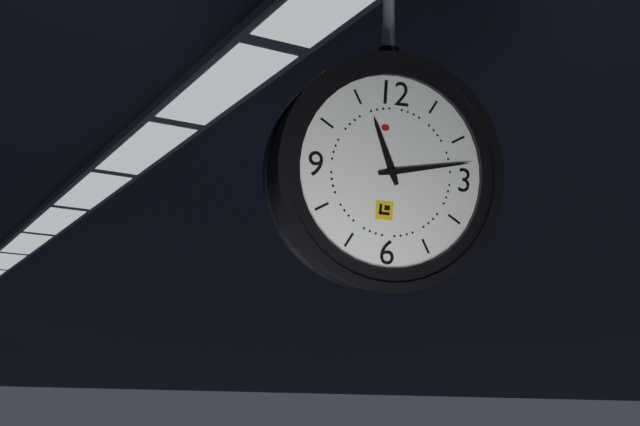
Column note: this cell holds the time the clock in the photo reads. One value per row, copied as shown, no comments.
11:13
